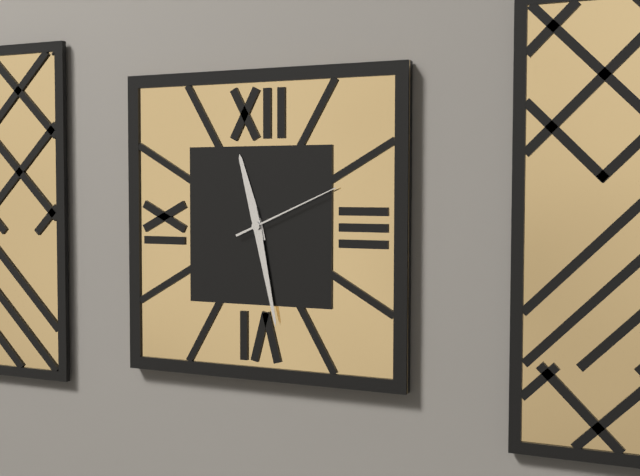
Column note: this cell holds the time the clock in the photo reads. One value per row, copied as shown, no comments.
11:28:11
